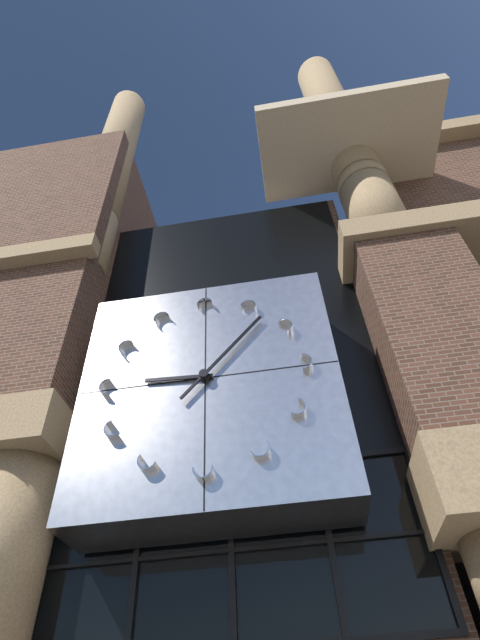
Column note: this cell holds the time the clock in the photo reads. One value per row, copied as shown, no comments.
9:07
